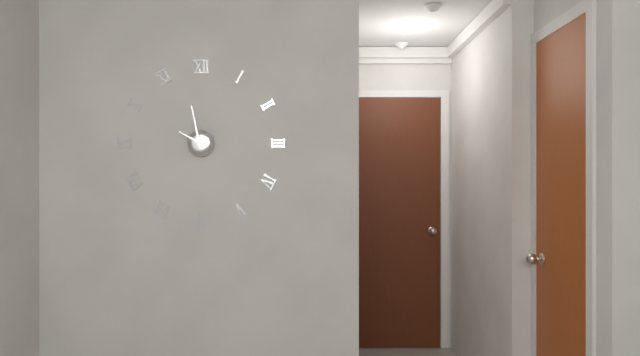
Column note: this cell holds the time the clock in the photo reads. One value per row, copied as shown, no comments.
9:58
